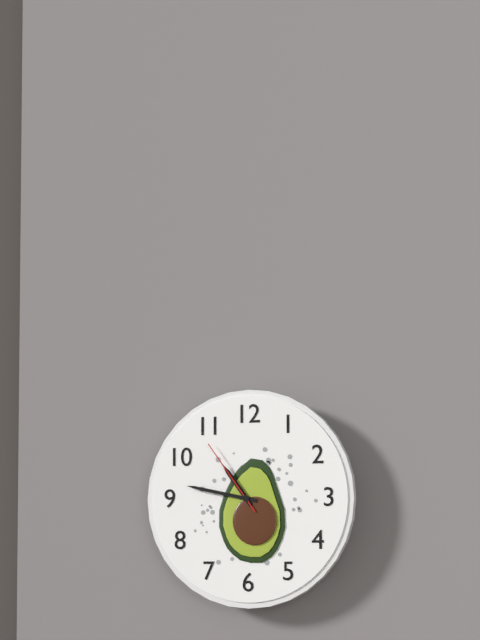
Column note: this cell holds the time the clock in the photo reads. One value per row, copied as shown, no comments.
10:47:54
